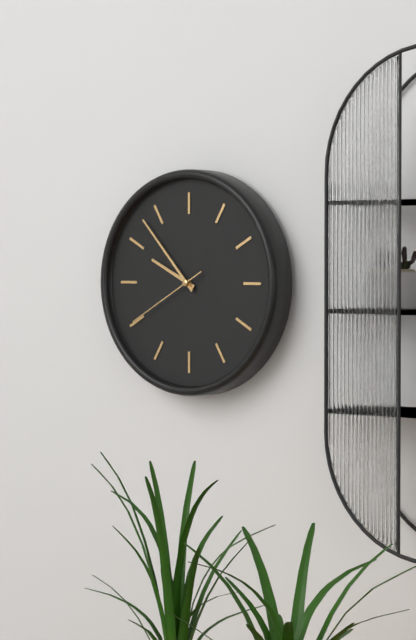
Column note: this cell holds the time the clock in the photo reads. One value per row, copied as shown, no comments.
9:53:40
